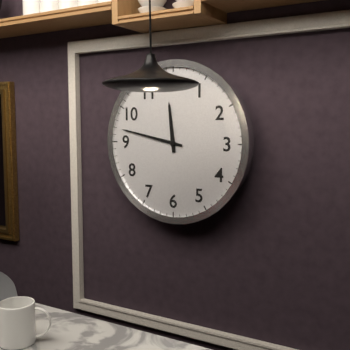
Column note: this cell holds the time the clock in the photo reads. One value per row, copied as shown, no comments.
11:47
